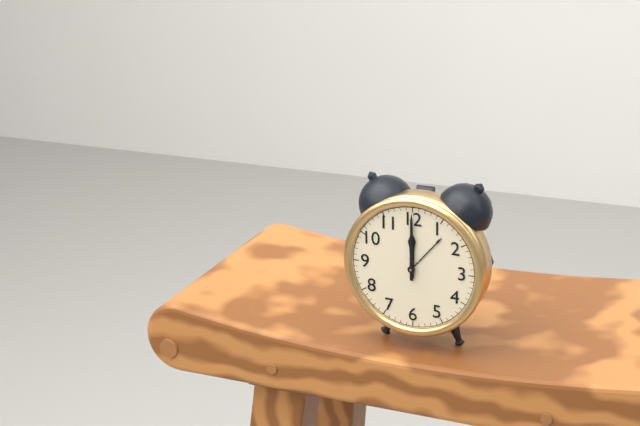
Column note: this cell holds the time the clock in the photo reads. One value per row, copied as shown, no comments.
12:00
